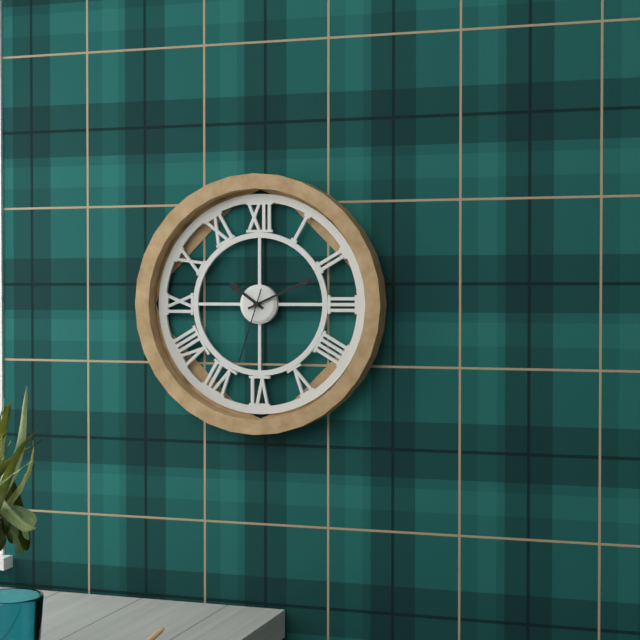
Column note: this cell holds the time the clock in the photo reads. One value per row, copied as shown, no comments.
10:11:33
